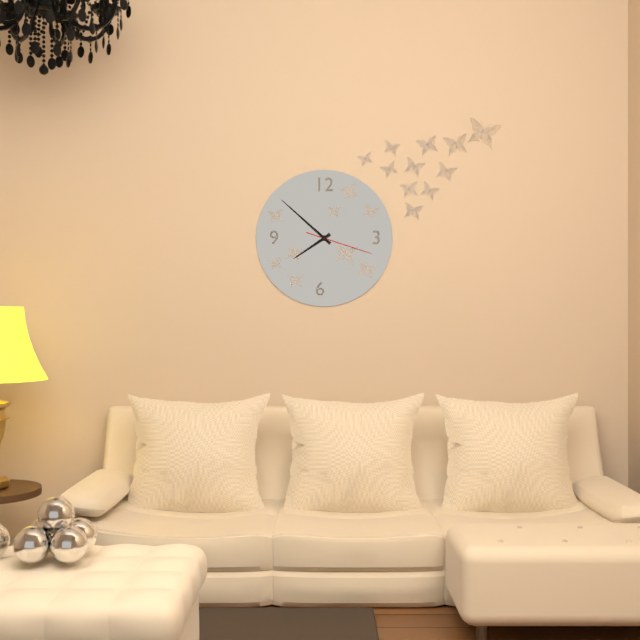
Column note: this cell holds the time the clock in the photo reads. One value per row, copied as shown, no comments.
7:52:18
